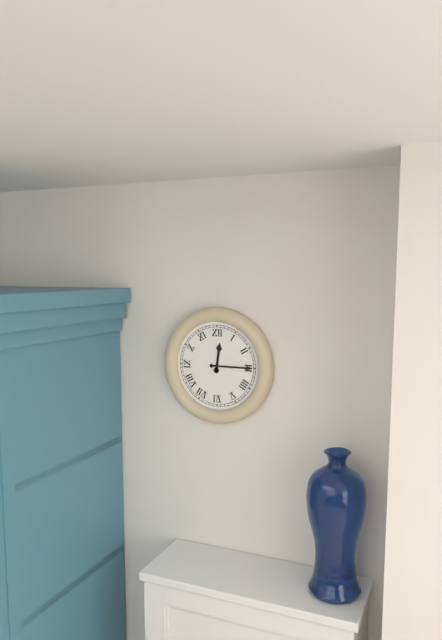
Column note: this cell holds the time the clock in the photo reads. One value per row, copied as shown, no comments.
12:15
